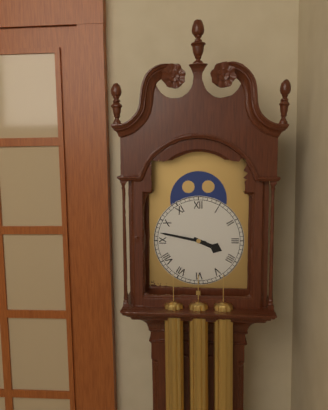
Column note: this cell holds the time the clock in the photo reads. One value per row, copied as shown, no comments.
3:47
